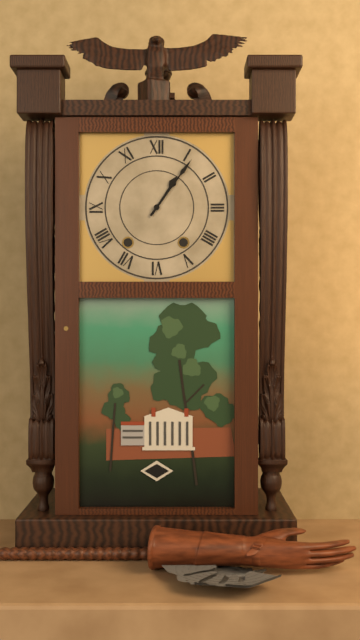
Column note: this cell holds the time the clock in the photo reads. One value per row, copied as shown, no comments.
1:06
